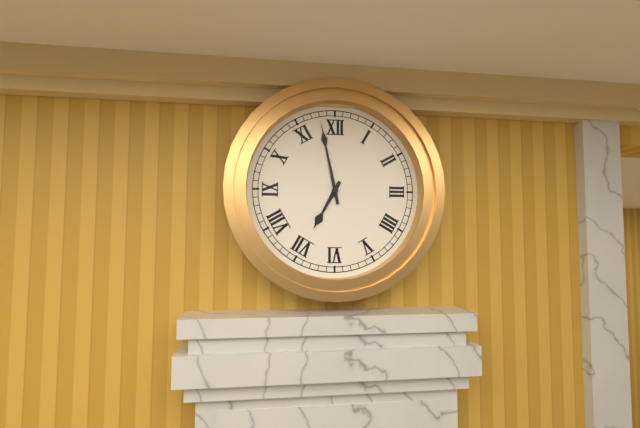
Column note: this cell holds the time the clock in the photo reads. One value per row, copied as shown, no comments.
6:58
